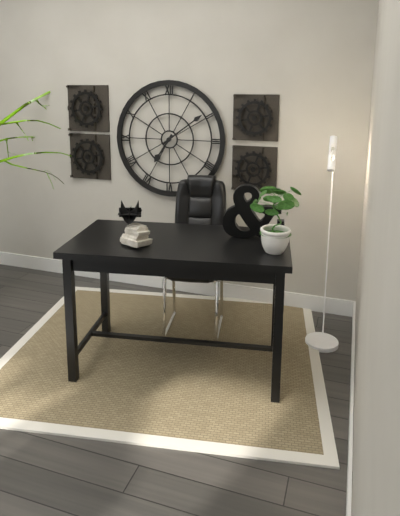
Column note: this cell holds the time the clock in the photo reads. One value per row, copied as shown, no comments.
7:09
